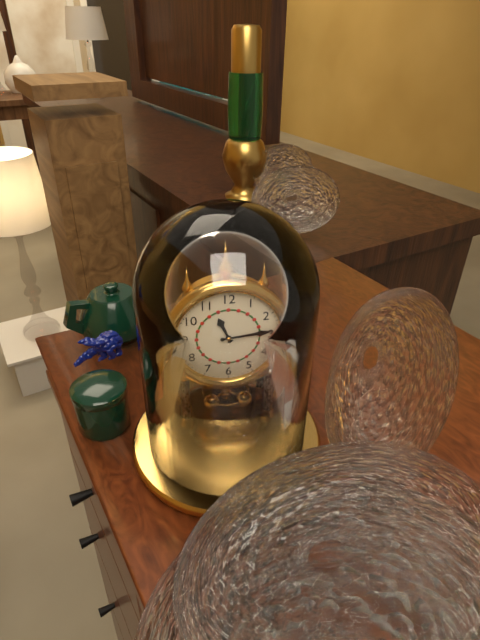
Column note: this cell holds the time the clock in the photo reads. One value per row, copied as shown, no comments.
11:14
